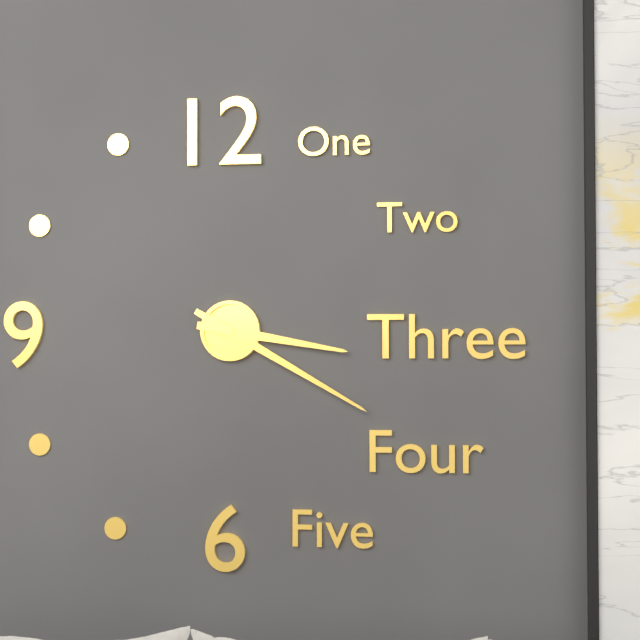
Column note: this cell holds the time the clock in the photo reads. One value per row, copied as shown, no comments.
3:20
